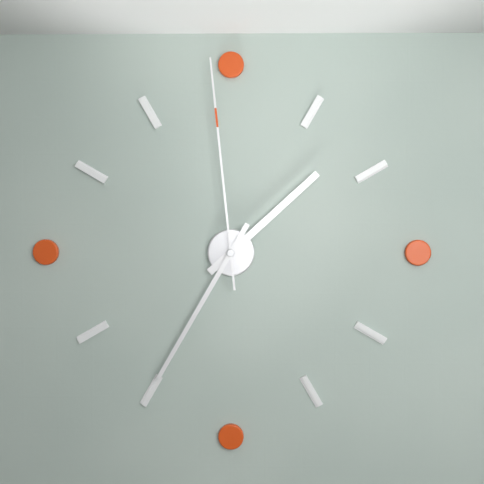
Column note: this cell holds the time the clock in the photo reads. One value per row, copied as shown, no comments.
1:35:59
